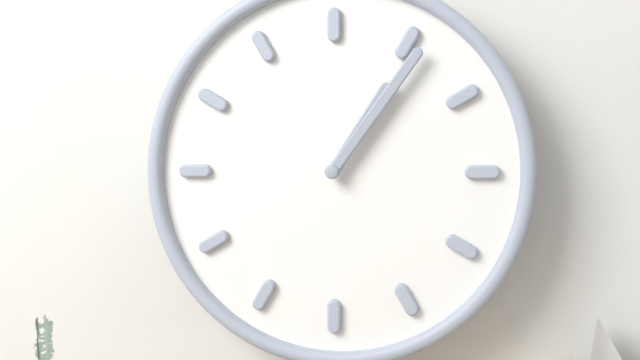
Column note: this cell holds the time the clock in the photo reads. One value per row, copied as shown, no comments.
1:06
